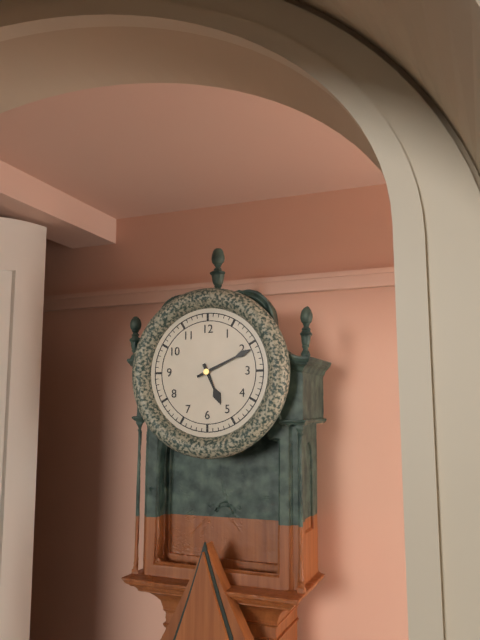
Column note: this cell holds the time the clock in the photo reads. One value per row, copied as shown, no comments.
5:11
